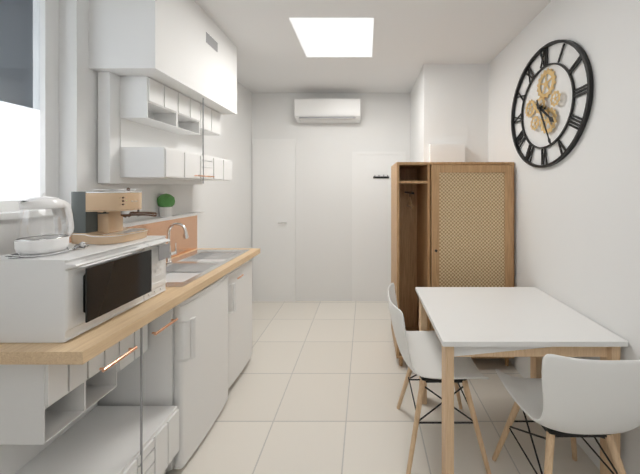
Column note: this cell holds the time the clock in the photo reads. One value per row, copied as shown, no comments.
4:26
